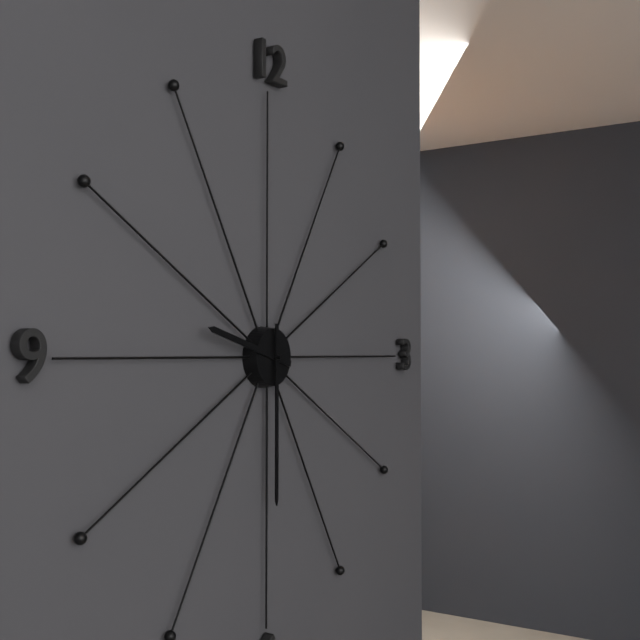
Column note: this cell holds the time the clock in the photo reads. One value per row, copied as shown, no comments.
9:30
